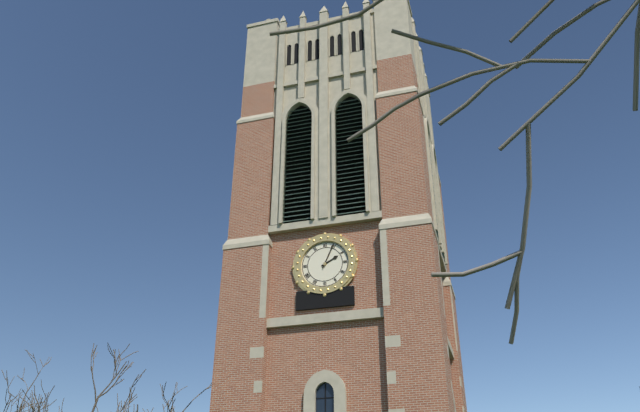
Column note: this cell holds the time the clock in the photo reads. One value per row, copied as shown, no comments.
2:04
